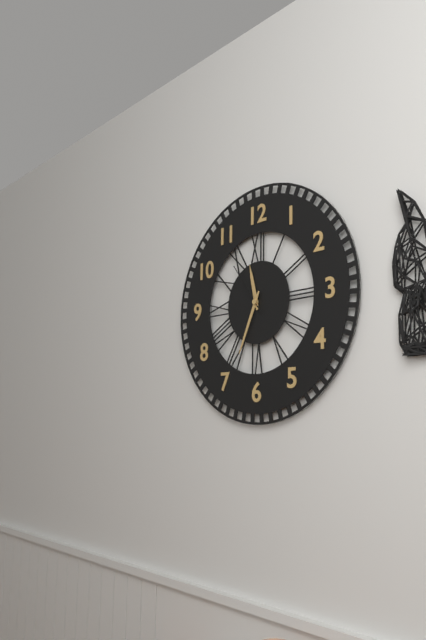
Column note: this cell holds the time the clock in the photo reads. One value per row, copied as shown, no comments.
11:34:54
